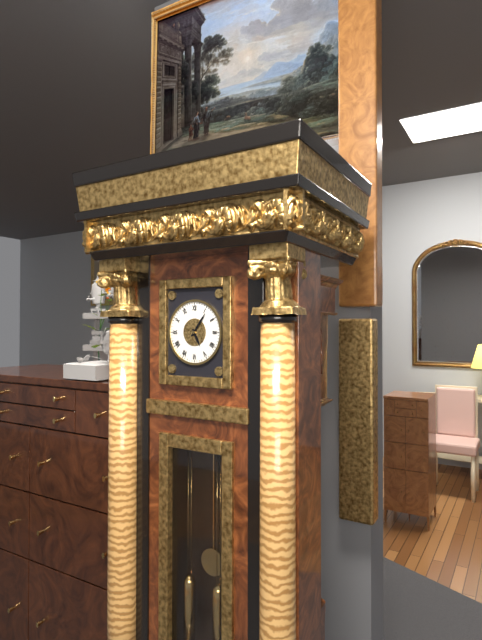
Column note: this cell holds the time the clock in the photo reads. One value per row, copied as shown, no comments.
5:06
